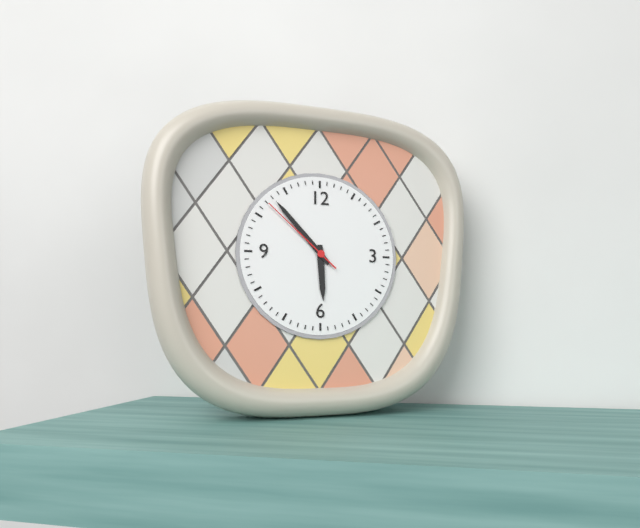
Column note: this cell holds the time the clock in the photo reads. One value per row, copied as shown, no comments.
5:53:52
